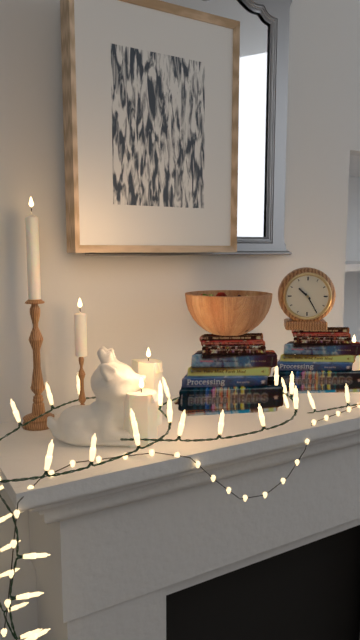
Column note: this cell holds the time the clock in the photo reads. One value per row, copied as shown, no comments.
10:25
